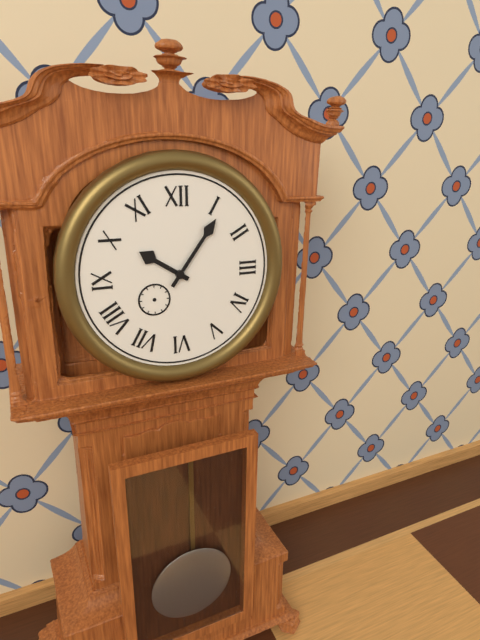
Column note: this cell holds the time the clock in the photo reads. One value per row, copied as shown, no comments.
10:06
